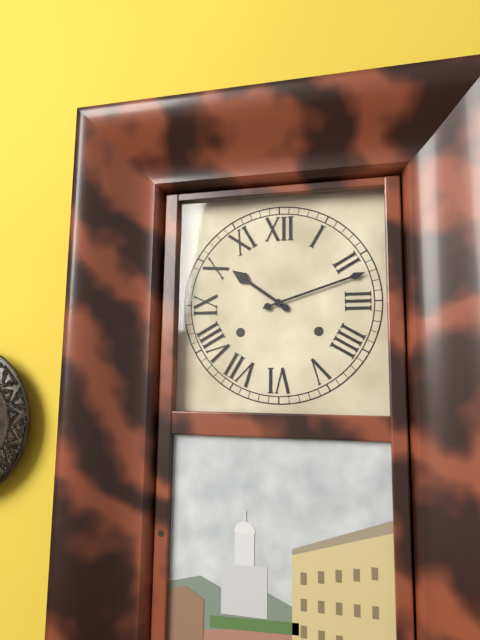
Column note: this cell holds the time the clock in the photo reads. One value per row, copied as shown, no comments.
10:12
